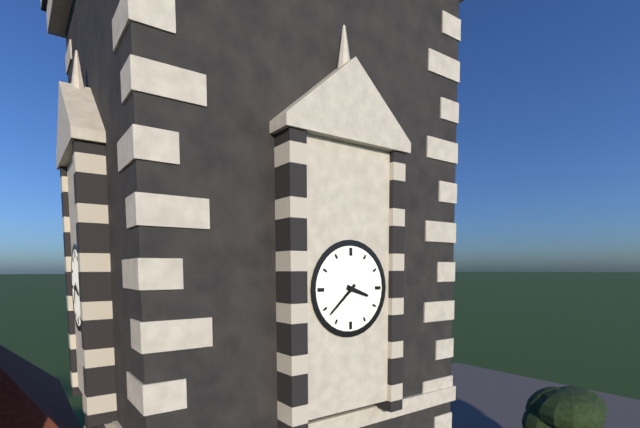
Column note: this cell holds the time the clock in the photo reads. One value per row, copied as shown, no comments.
3:38
